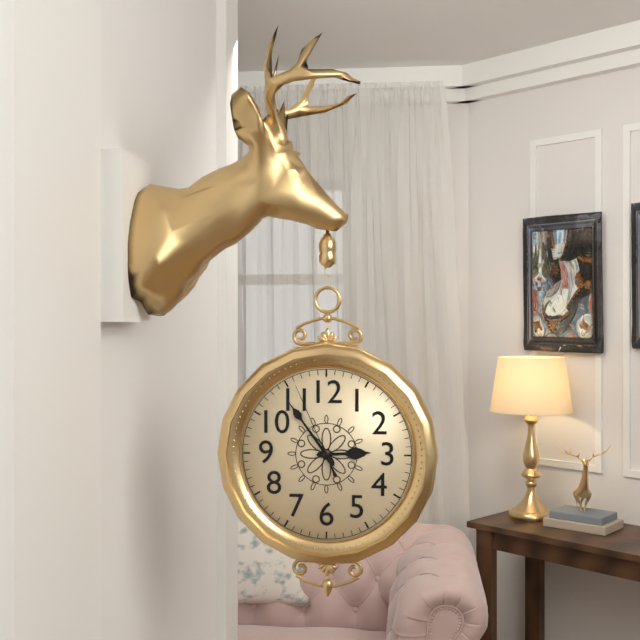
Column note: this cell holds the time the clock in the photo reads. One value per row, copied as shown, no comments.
2:54:56
